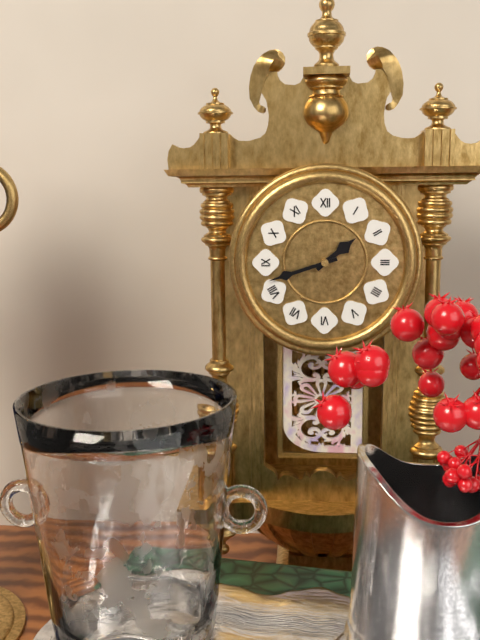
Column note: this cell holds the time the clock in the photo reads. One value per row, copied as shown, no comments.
1:42
